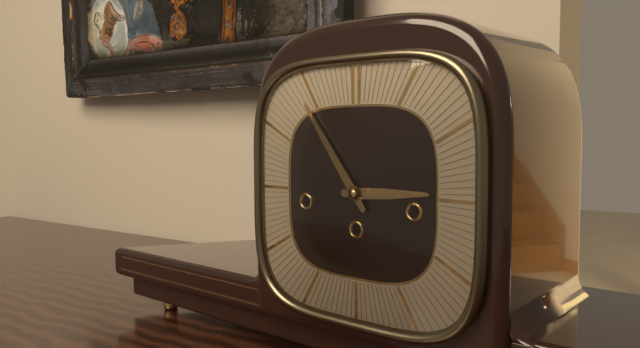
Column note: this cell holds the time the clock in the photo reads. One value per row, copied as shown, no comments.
2:54
